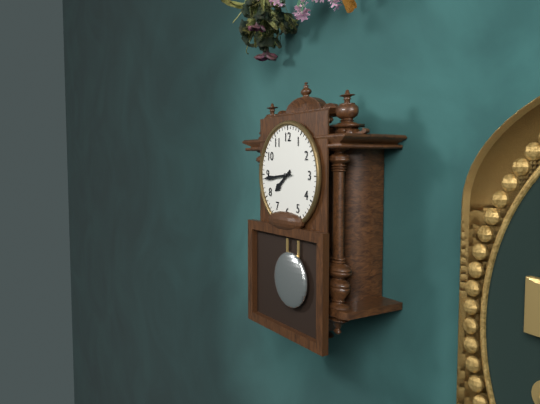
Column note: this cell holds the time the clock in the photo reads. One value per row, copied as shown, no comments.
7:44
